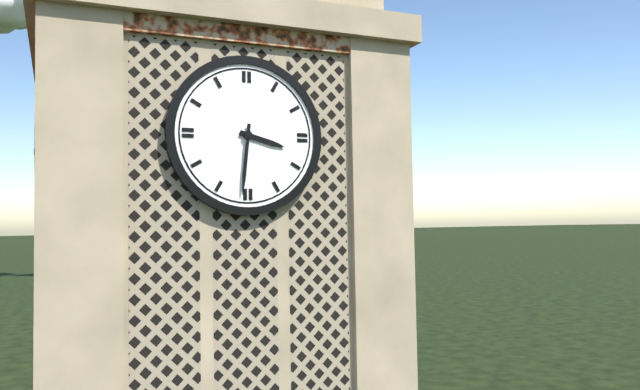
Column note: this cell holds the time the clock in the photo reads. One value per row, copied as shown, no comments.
3:31
